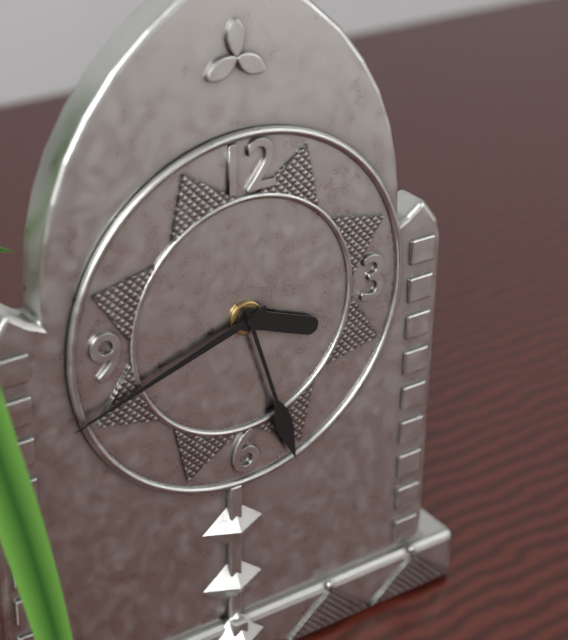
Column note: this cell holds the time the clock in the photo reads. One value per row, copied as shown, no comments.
3:42:27
